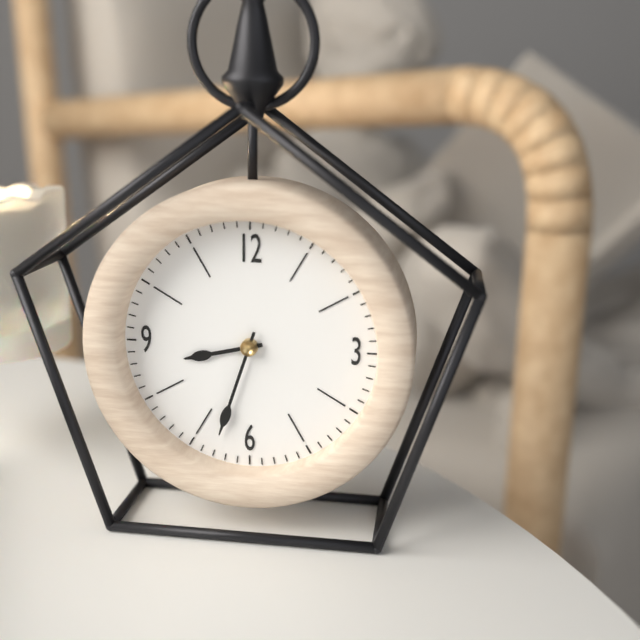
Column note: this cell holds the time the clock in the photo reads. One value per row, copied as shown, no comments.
8:33
